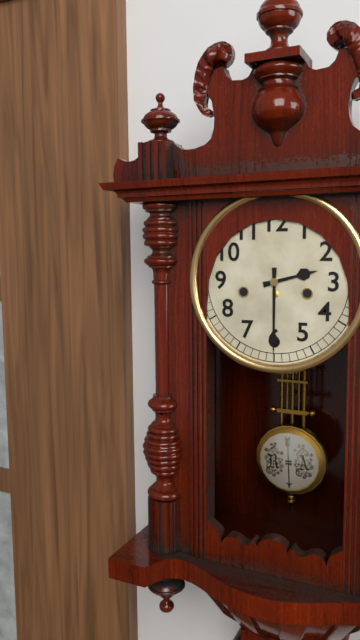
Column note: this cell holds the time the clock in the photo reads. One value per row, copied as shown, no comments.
2:30
